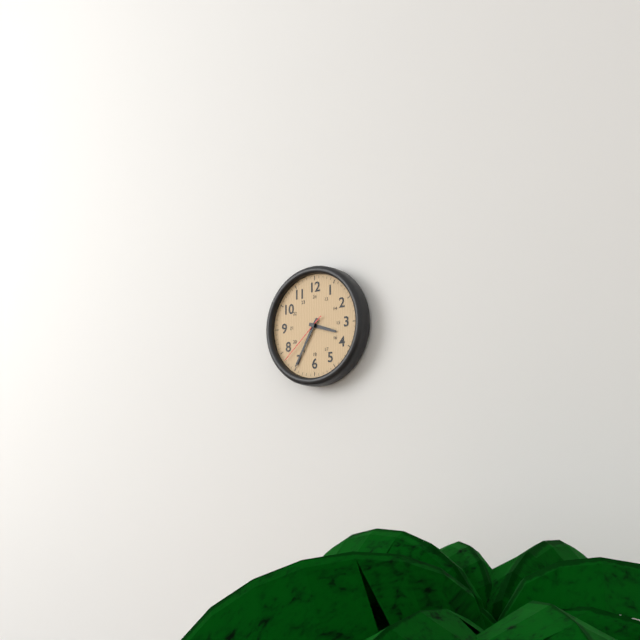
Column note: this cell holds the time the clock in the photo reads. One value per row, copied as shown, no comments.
3:35:38
